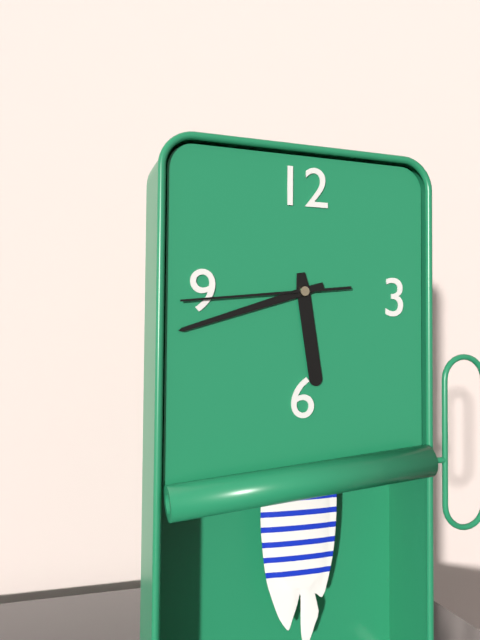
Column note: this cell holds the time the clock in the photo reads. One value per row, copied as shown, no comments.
5:42:44
